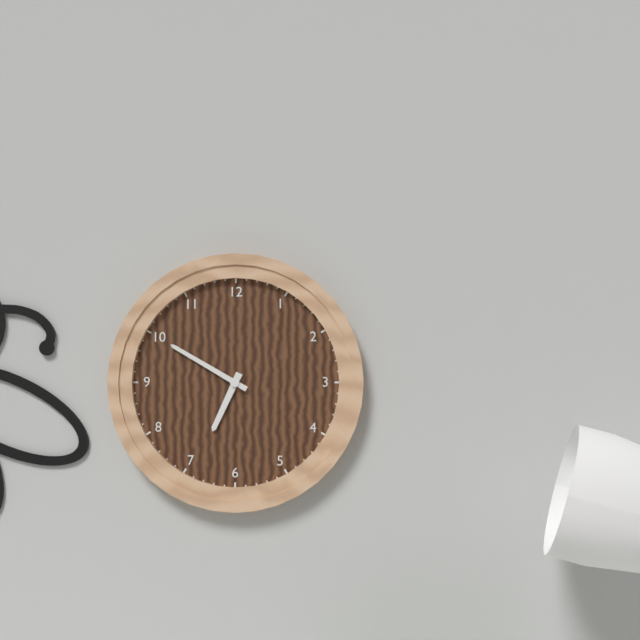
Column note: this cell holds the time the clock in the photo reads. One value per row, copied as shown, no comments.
6:50
